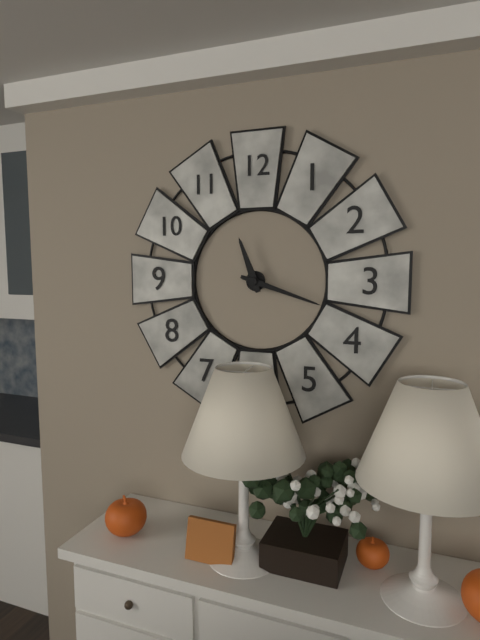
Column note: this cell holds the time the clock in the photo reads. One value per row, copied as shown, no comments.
11:18
